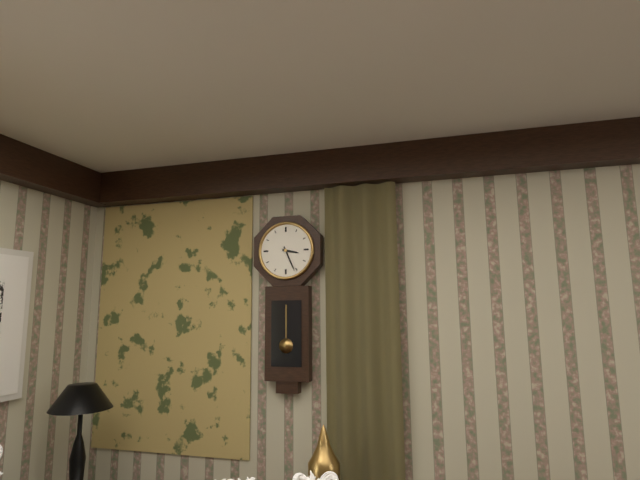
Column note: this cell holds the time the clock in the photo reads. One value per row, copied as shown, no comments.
3:26
